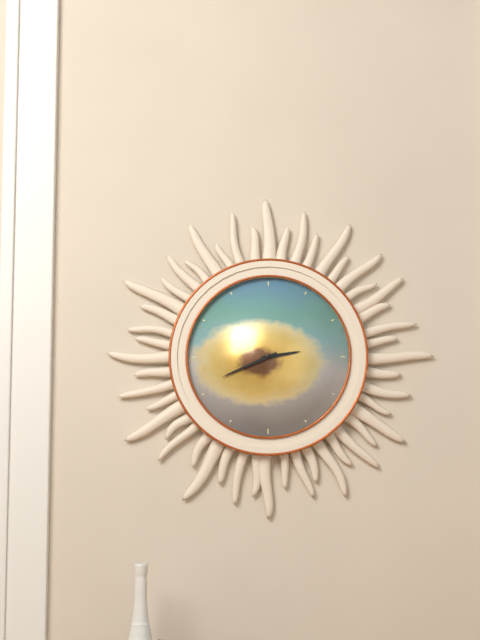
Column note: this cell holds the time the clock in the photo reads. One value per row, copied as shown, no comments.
2:41
